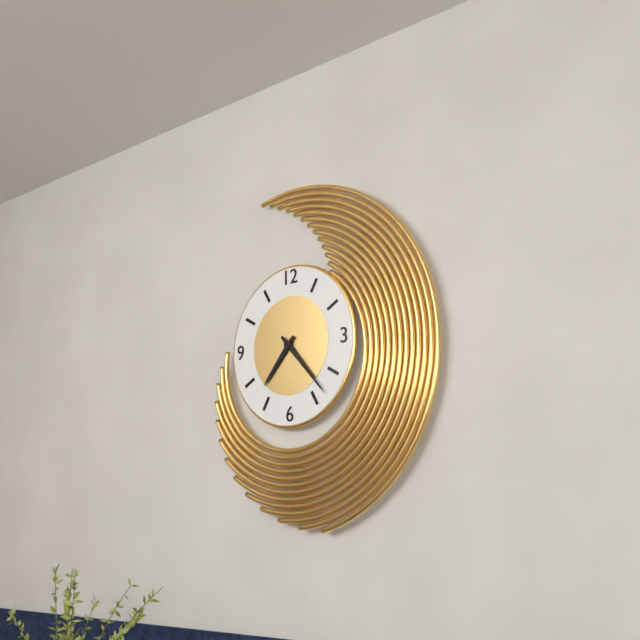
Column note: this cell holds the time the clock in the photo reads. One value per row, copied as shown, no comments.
7:23
